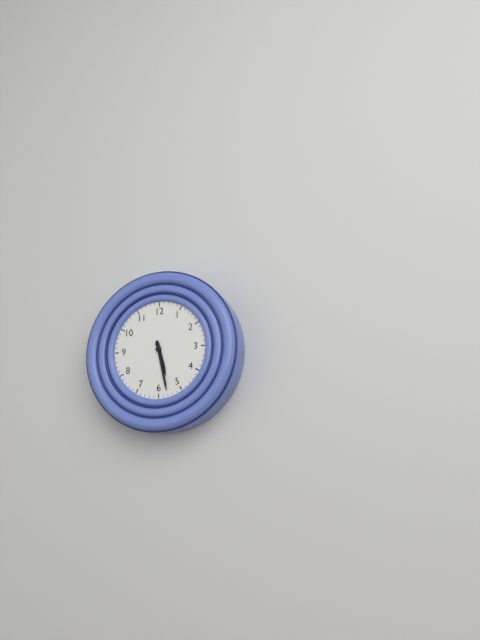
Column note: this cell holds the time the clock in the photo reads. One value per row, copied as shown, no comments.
5:28
